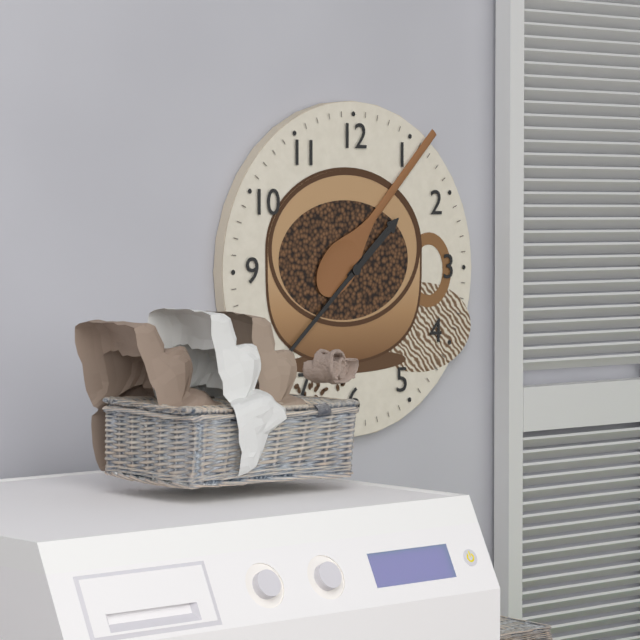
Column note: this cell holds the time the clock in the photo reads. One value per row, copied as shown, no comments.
1:38
